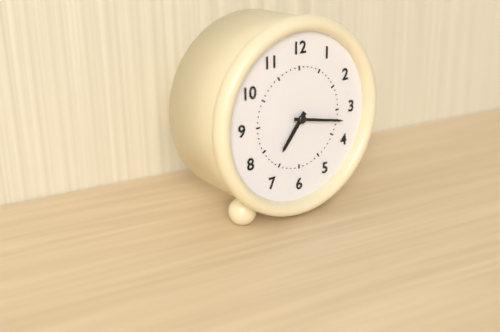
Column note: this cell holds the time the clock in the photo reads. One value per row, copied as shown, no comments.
7:17
